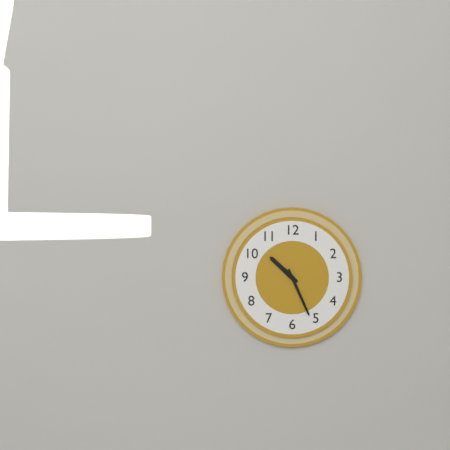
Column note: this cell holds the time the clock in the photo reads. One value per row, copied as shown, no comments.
10:26
